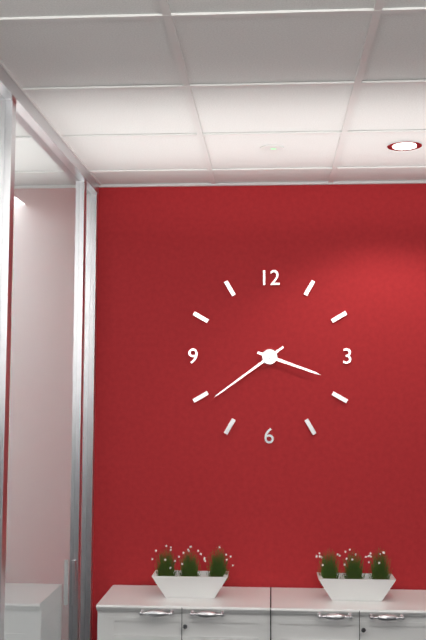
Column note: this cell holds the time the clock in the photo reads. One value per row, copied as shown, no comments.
3:39
